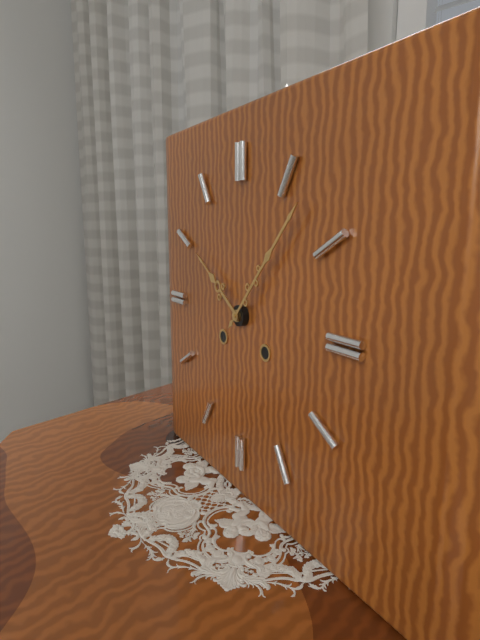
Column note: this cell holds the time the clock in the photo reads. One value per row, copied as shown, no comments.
10:07
